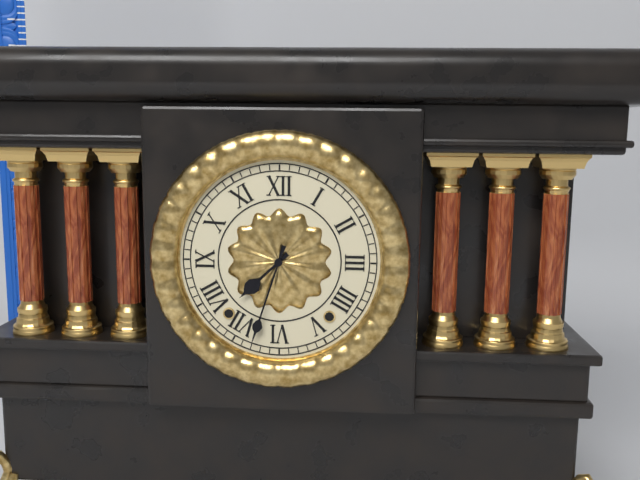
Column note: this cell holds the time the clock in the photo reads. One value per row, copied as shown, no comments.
7:33
